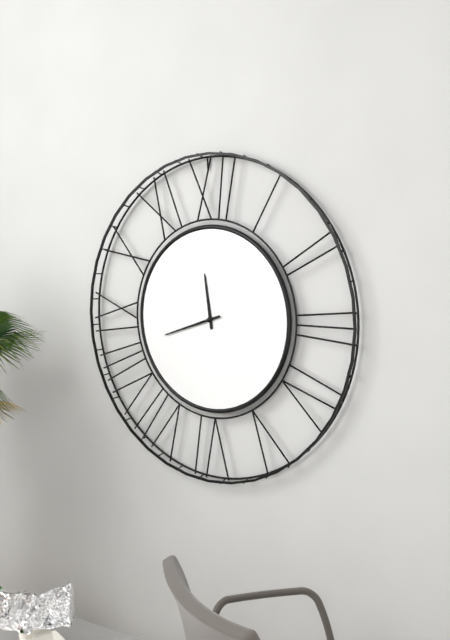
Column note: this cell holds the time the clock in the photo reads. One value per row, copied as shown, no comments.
11:42
